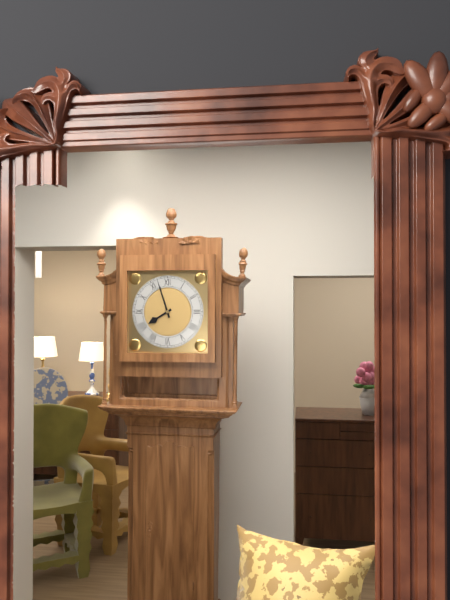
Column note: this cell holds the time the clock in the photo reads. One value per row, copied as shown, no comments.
7:57
